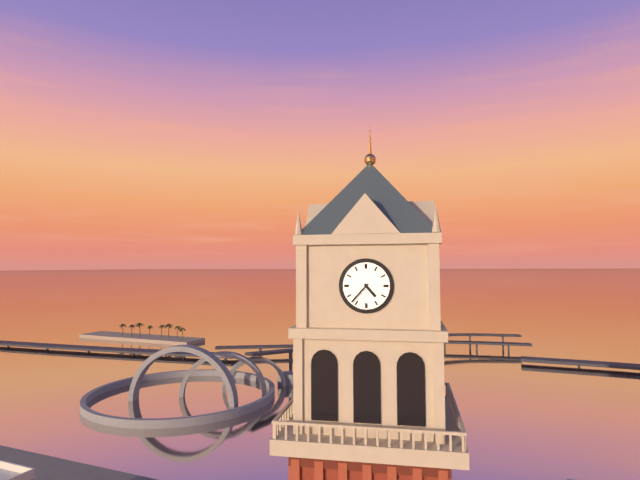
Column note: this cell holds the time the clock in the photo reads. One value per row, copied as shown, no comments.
4:37
